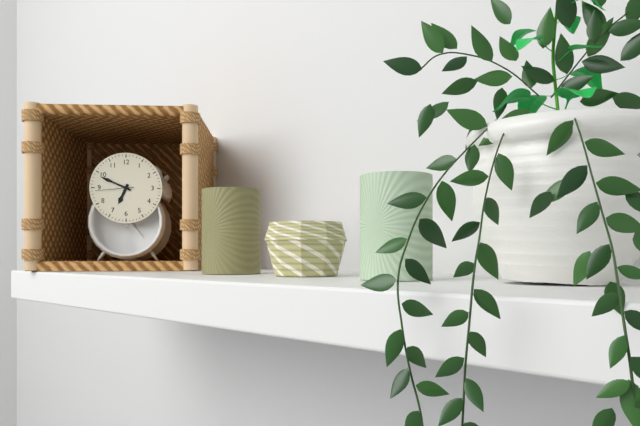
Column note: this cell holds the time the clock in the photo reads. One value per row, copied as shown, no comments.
6:49
